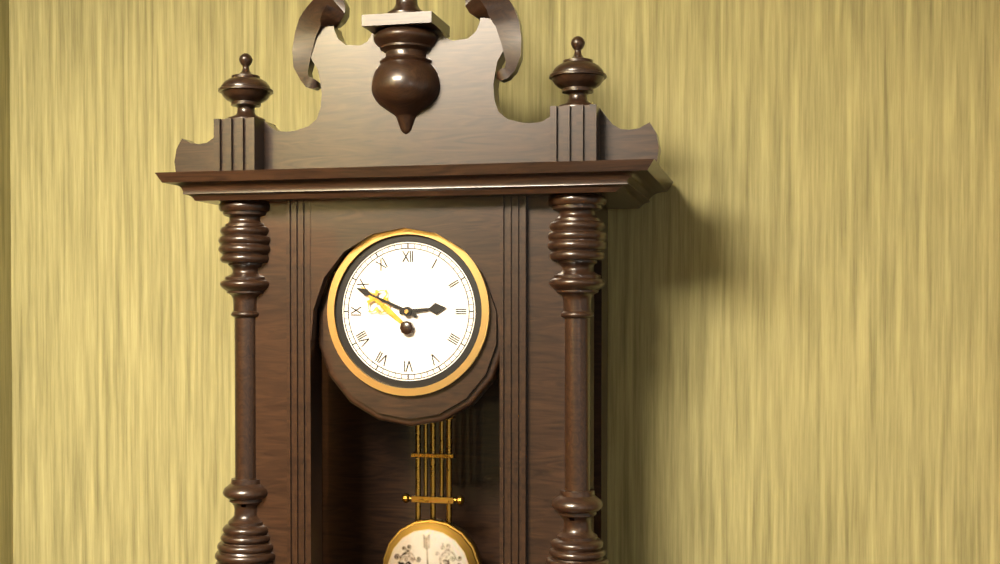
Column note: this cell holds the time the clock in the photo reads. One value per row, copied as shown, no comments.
2:49
